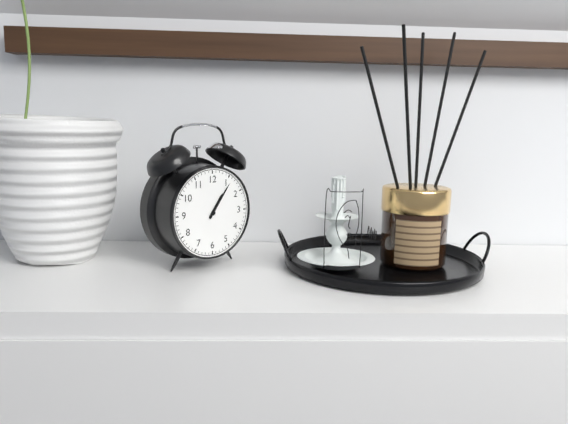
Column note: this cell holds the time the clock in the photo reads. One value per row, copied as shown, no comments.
1:06
